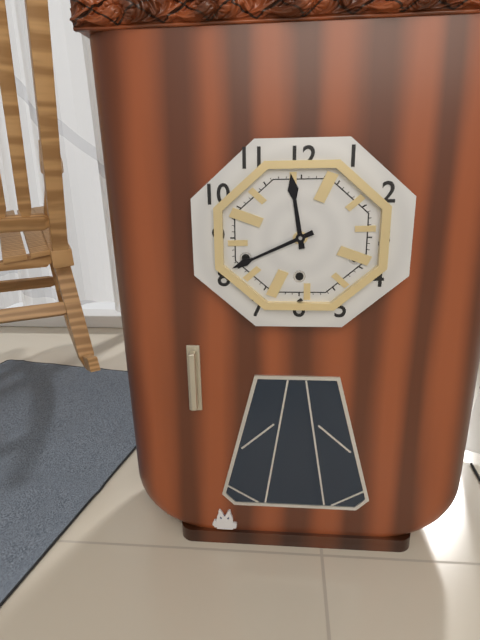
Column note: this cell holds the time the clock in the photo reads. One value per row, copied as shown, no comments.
11:41
